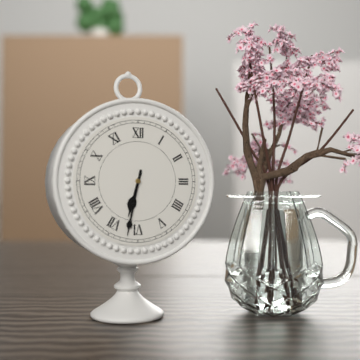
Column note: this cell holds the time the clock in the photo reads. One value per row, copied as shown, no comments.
6:32
